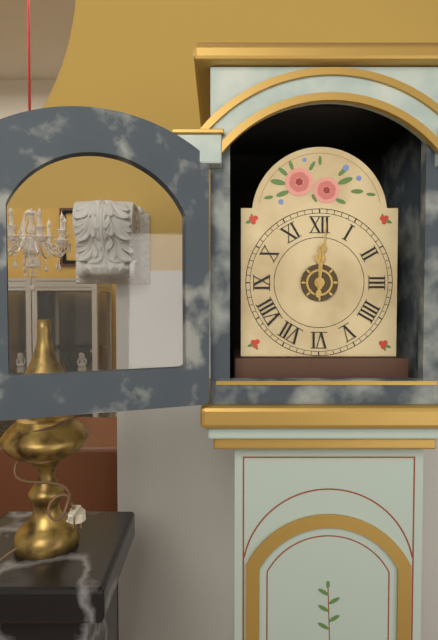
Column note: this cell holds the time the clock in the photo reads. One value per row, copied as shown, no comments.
12:01
